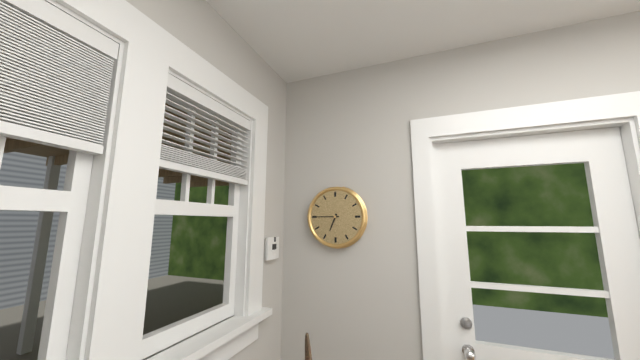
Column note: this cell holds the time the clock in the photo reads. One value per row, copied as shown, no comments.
6:45
